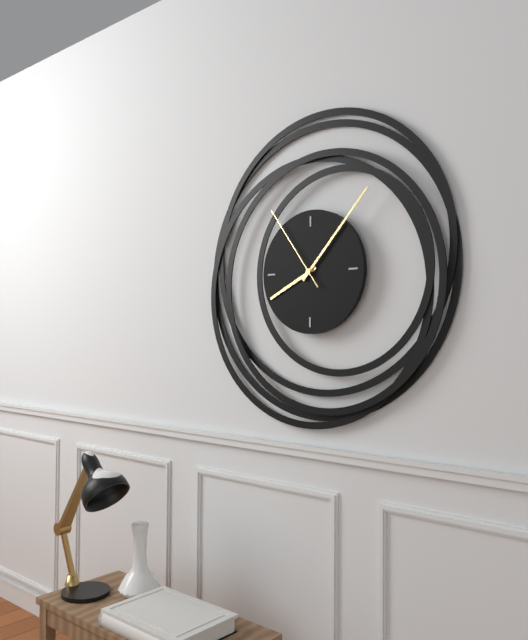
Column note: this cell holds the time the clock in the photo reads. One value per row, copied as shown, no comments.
8:07:54
